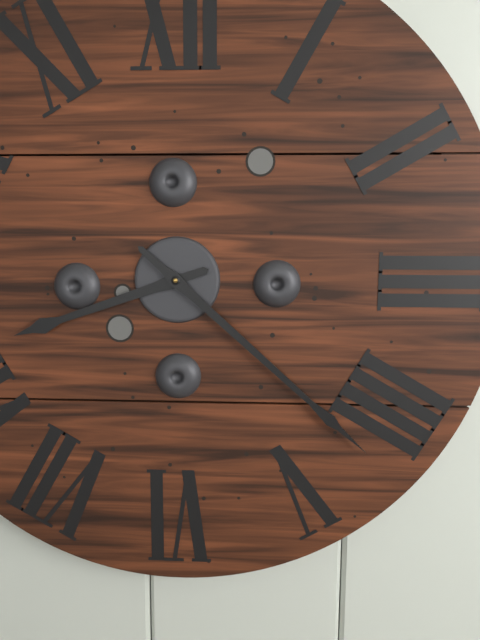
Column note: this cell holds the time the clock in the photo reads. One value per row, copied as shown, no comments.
8:22
